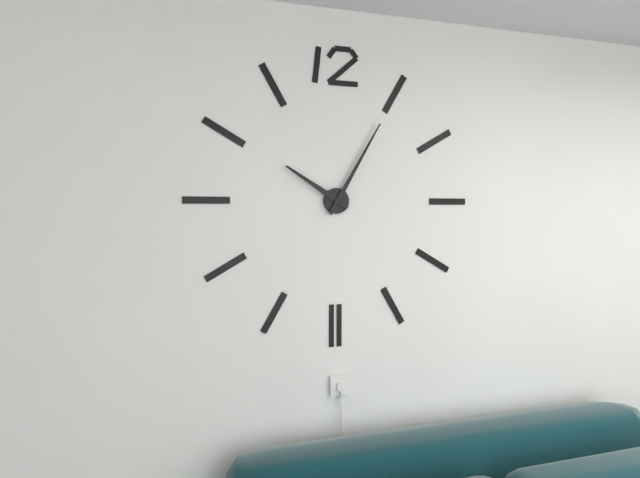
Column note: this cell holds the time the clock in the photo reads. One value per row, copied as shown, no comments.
10:05
